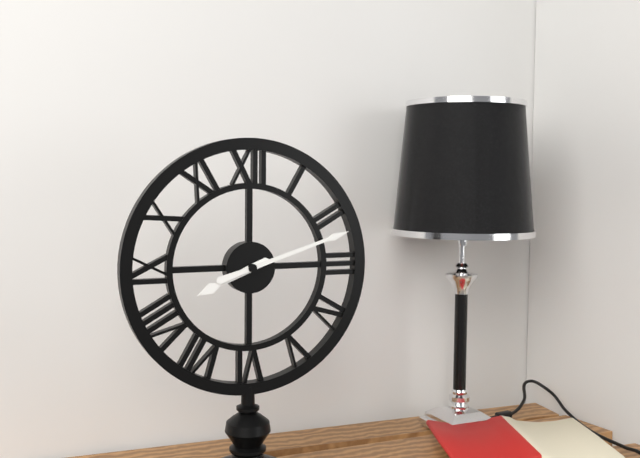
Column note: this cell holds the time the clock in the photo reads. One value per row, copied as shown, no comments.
8:12
